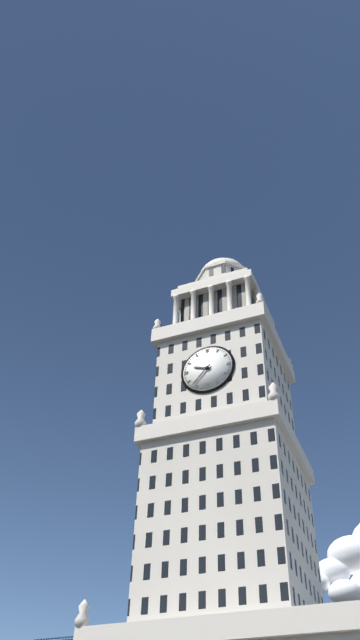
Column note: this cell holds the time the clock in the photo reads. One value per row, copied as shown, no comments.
9:37
